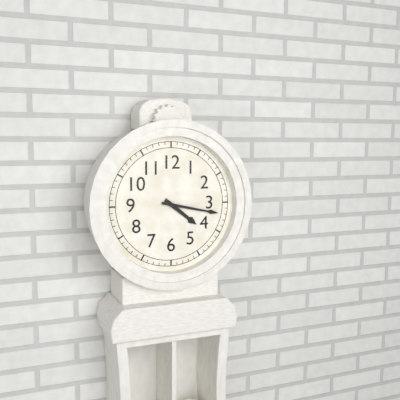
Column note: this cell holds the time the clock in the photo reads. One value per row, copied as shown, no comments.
4:17
